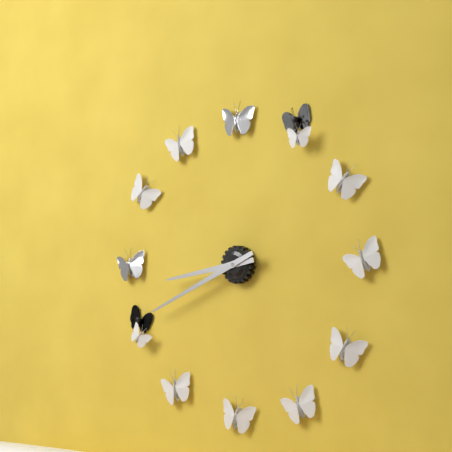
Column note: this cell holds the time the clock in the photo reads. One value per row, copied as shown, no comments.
8:41
